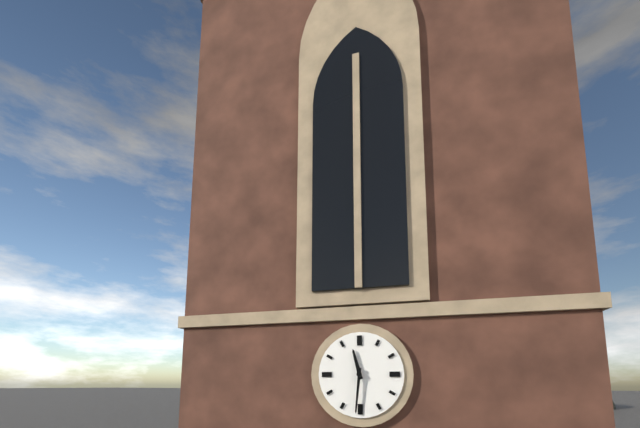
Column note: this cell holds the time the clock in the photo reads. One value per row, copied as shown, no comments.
11:31
